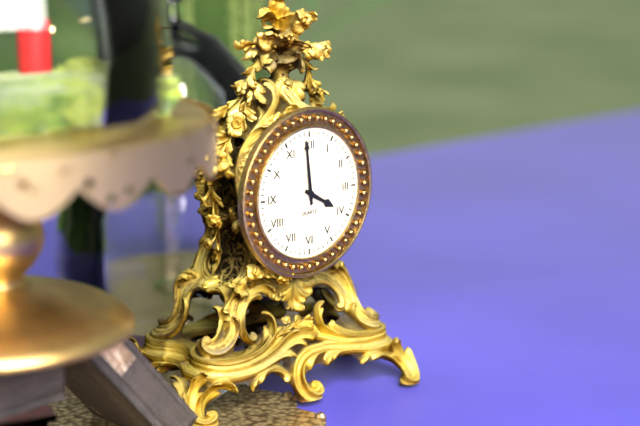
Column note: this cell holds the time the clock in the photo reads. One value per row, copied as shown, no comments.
3:59
